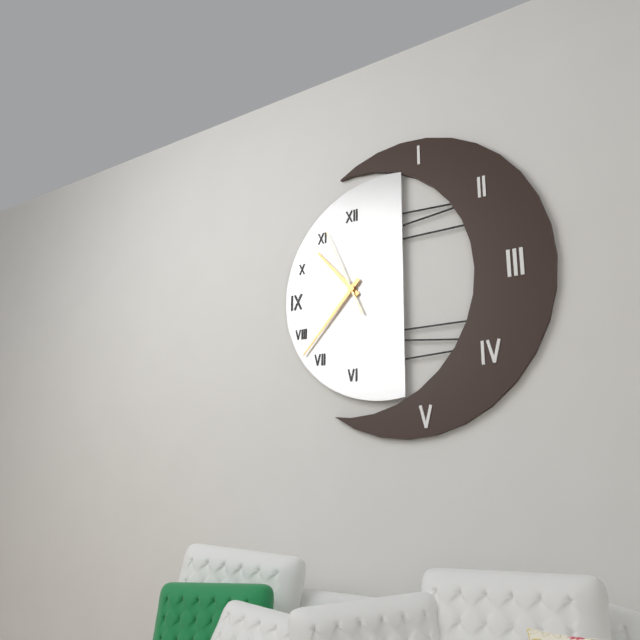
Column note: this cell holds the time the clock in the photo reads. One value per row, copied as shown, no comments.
10:37:56
